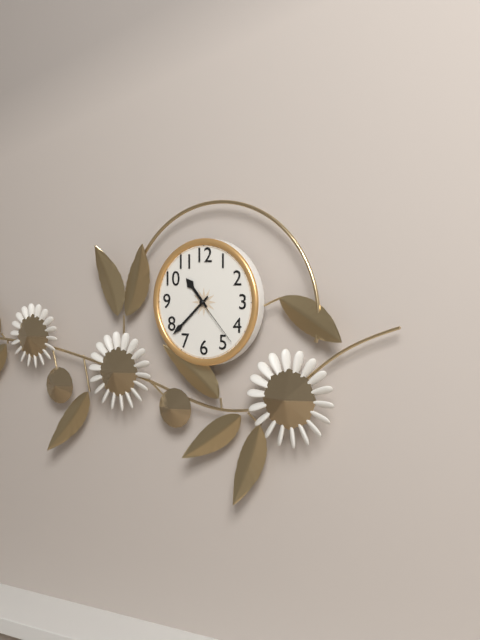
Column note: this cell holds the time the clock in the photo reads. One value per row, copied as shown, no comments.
10:38:23
